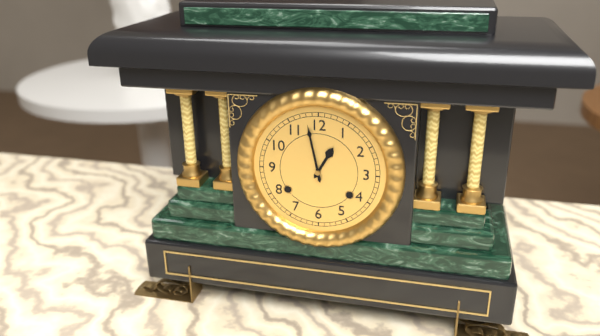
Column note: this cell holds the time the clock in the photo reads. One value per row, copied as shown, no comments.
12:58
